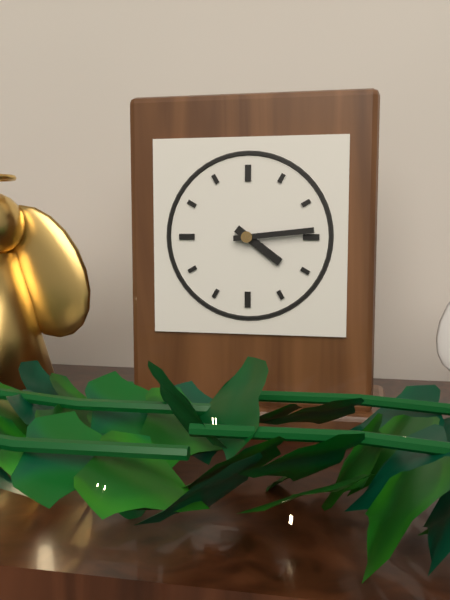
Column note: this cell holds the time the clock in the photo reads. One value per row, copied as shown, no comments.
4:14
